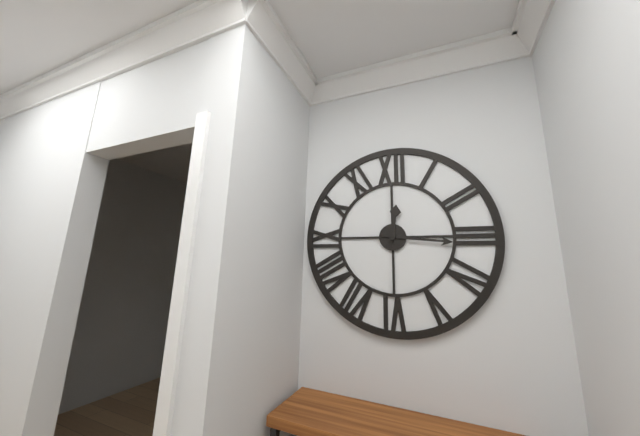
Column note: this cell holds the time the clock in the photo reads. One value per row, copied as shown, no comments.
12:16
